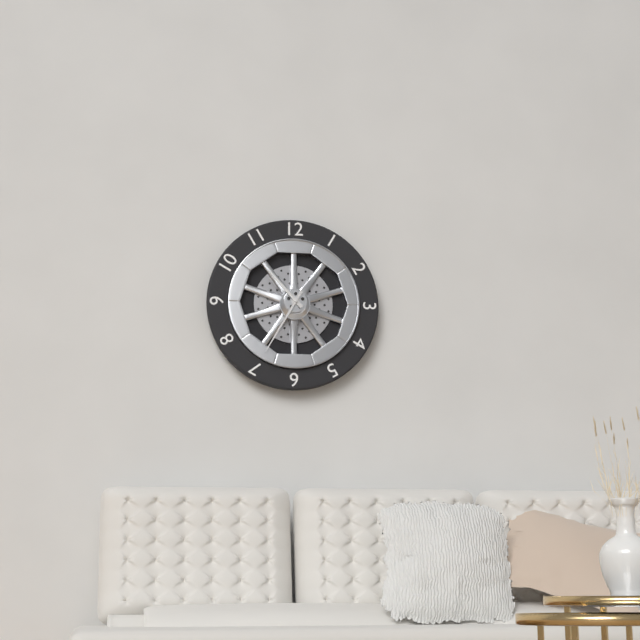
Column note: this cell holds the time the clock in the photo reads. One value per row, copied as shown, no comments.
10:35
